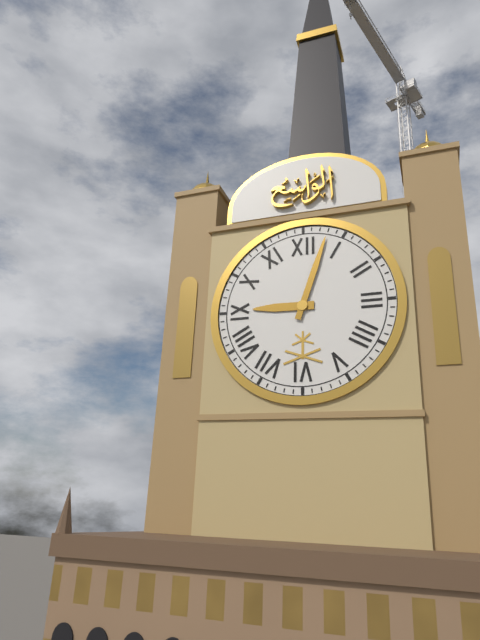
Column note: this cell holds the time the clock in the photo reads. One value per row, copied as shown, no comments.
9:03
